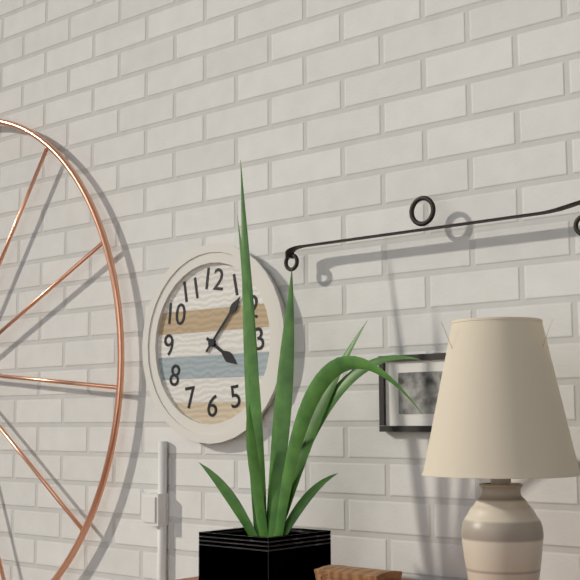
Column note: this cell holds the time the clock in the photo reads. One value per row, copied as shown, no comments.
4:07
